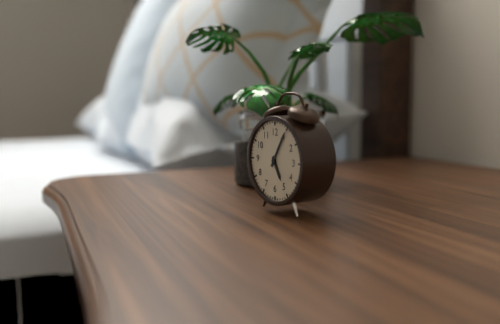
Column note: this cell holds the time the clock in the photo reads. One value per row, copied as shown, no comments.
5:05
